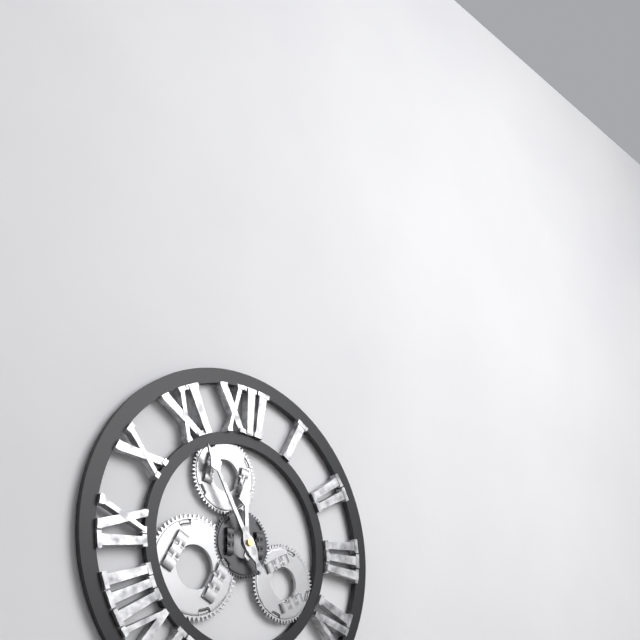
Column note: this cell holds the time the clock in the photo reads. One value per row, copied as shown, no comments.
11:55
